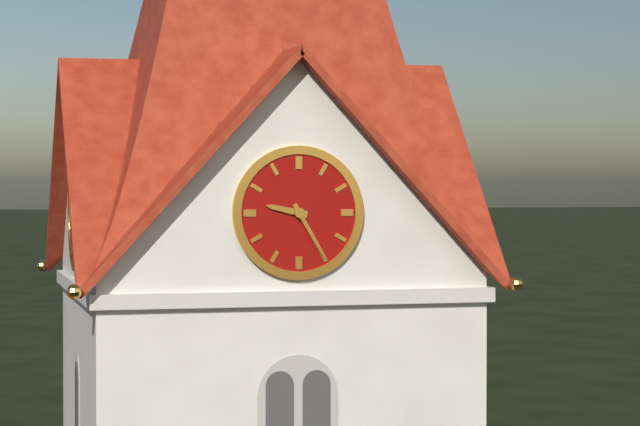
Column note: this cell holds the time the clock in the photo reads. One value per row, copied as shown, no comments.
9:25
